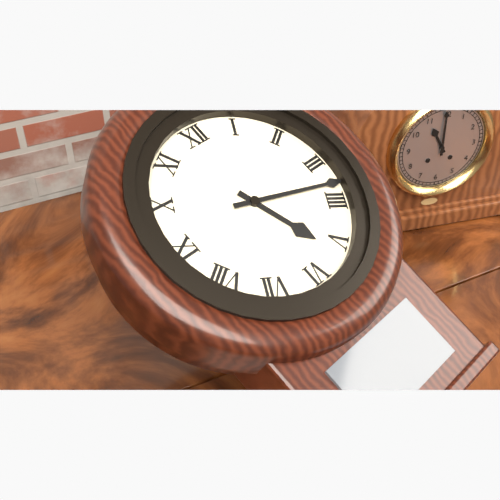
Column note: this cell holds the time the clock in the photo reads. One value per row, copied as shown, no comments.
5:18
